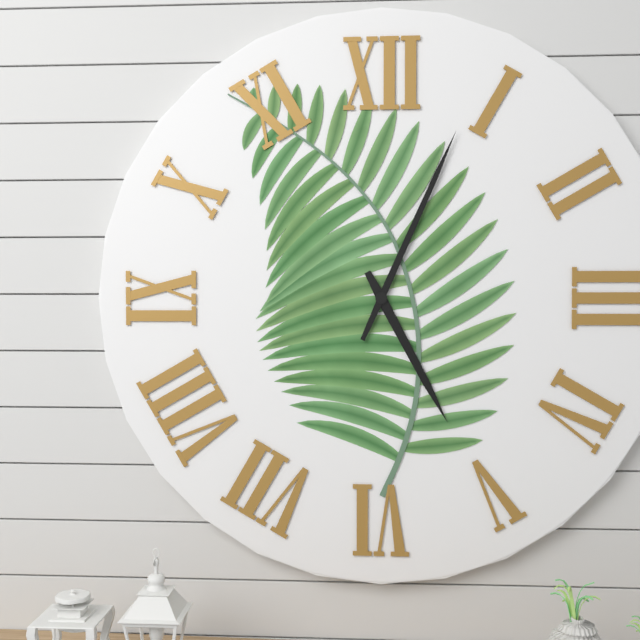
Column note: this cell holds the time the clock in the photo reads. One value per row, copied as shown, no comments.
5:04
